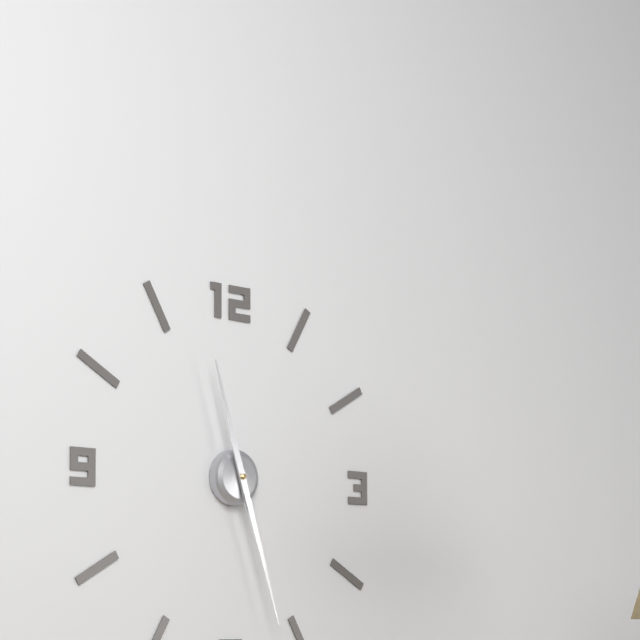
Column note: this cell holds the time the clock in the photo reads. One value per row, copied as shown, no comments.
11:27
